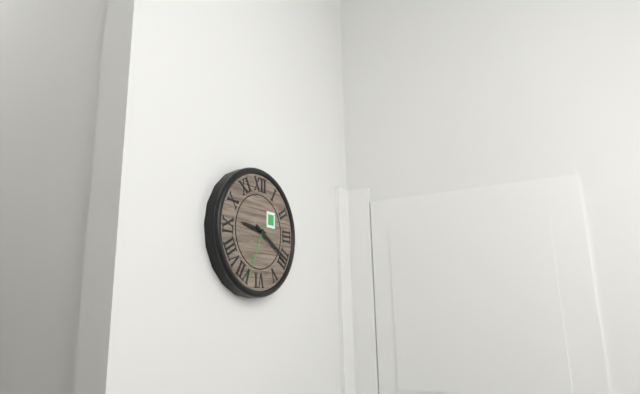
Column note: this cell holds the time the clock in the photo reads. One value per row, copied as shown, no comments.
9:20:34
